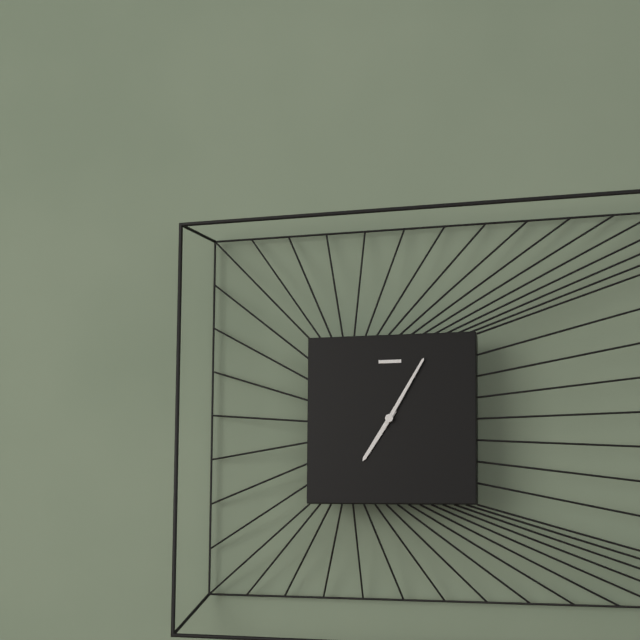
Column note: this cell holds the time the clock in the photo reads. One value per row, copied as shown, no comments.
7:05
